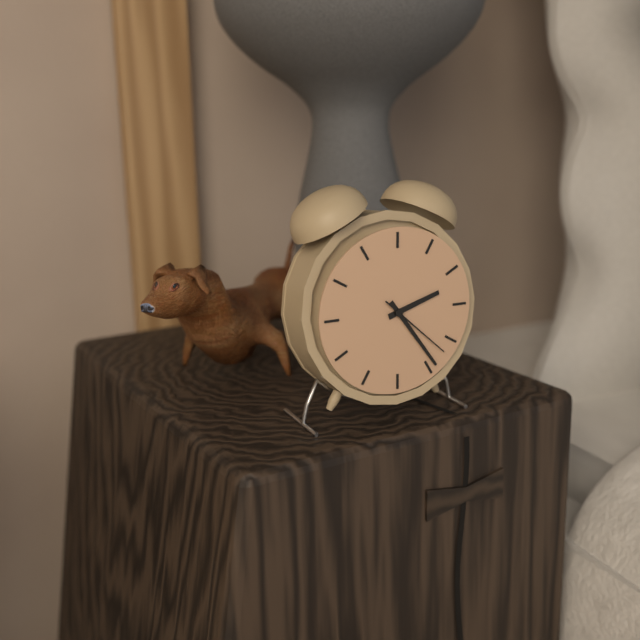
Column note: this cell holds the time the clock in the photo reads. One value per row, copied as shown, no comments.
2:24:22
